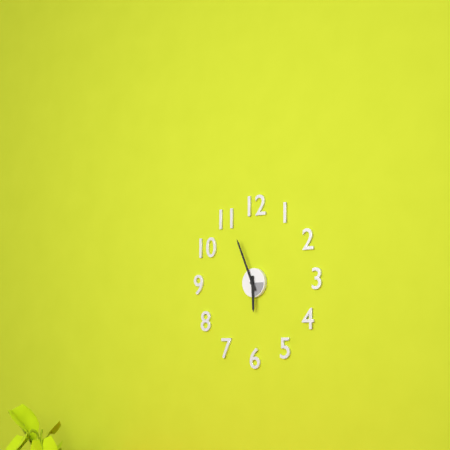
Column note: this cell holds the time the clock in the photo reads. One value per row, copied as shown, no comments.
5:56
